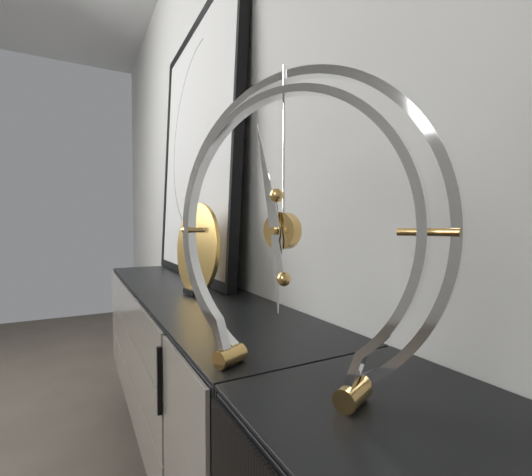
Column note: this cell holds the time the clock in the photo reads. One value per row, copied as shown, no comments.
5:58
